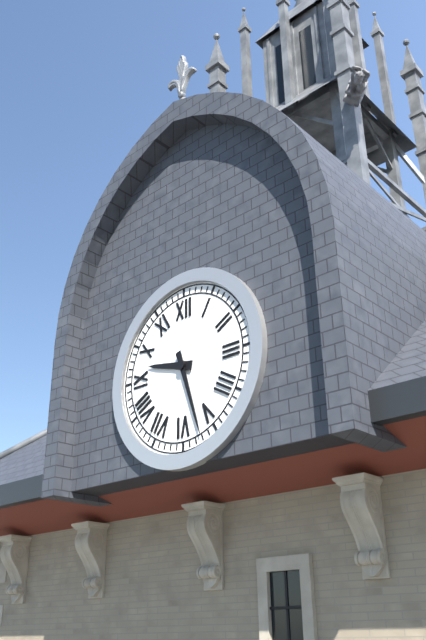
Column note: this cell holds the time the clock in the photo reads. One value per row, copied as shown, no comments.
9:27
